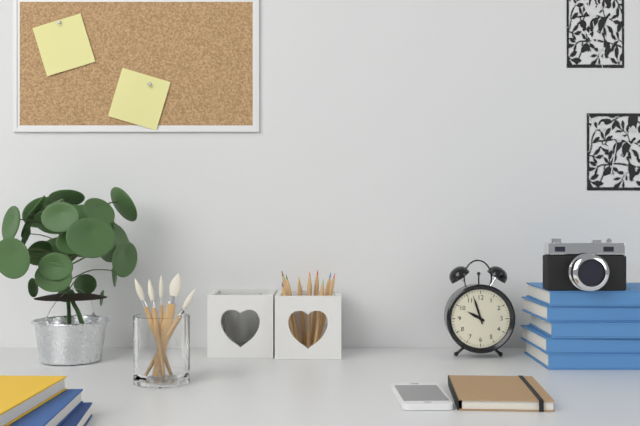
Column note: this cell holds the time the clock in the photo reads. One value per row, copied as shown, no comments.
9:57
